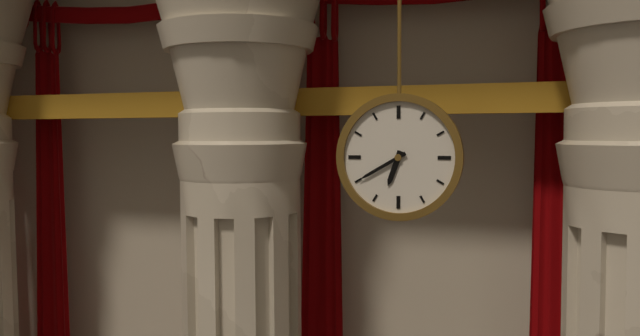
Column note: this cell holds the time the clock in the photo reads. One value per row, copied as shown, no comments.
6:40
